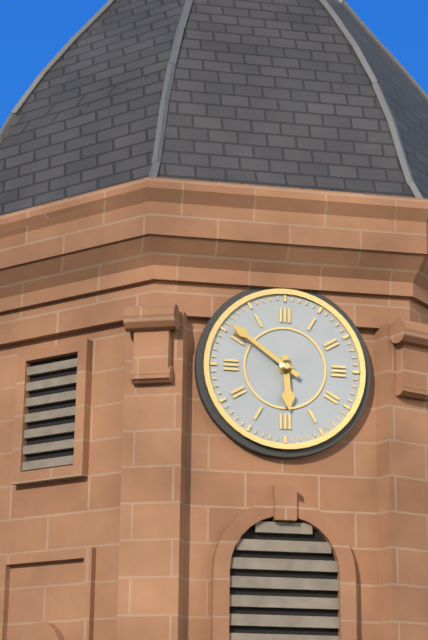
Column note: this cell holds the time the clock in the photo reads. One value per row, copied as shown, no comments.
5:51
